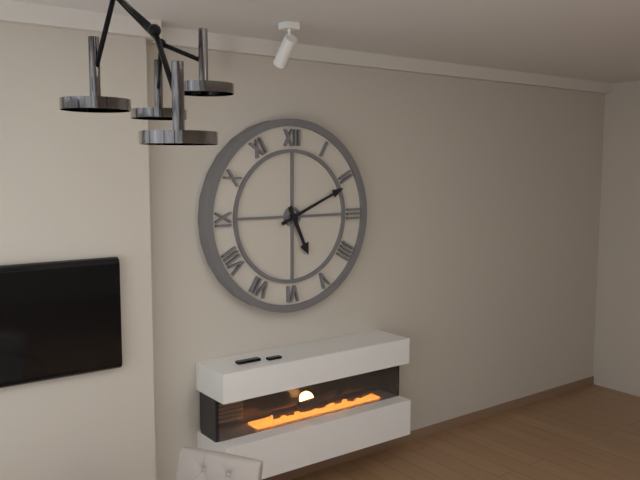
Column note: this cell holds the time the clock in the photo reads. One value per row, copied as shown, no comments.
5:11
